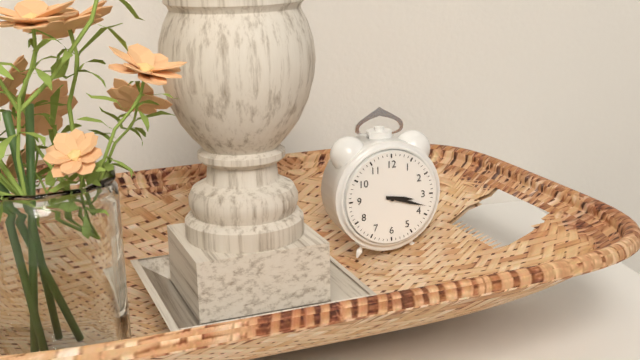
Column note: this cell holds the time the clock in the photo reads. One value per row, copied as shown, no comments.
3:18
